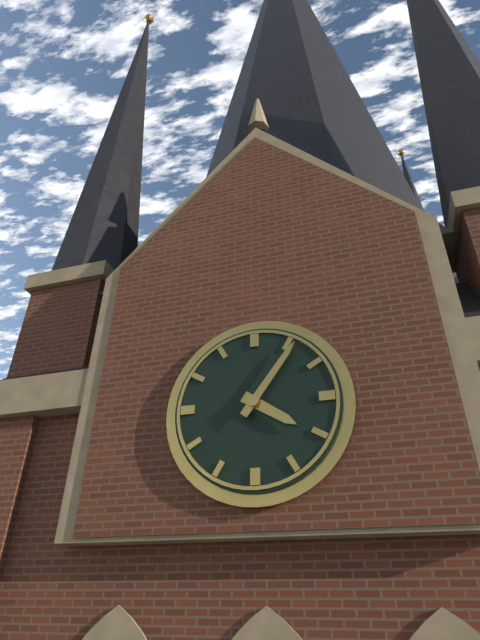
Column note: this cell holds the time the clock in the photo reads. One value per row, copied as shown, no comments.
4:06
